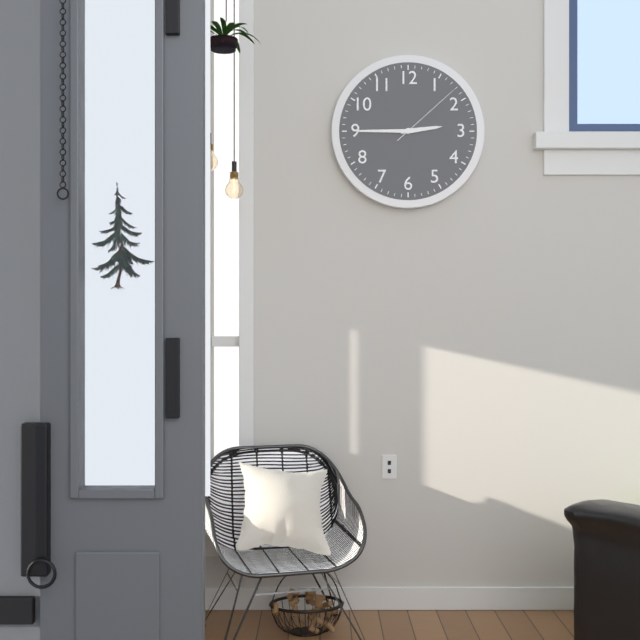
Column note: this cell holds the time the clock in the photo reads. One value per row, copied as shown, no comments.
2:45:08
